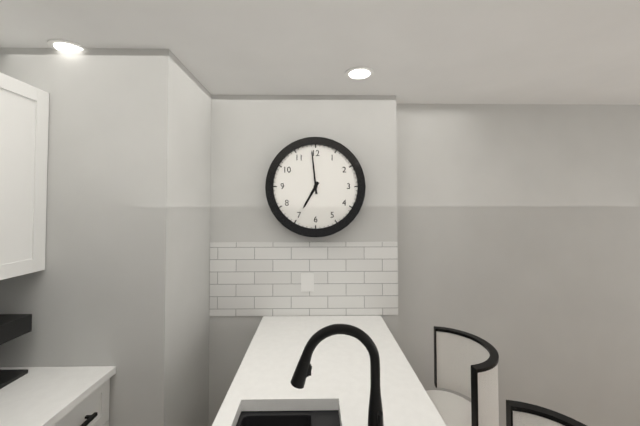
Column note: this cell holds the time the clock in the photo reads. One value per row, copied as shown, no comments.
6:59
